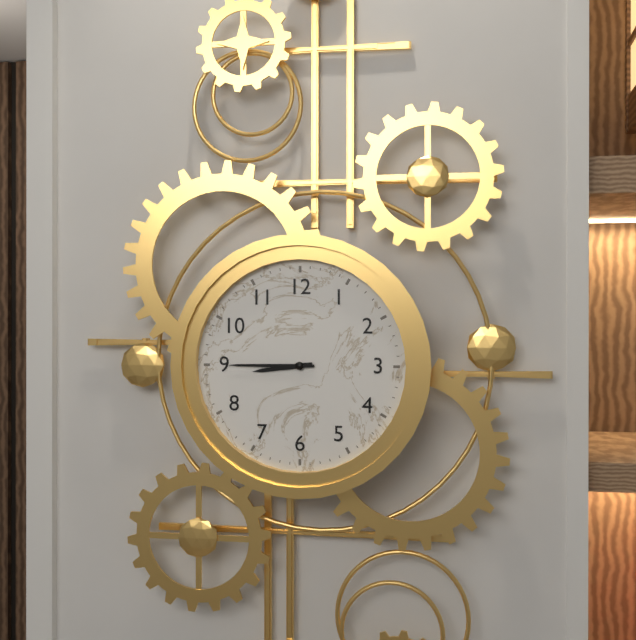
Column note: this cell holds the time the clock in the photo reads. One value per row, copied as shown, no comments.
8:45
